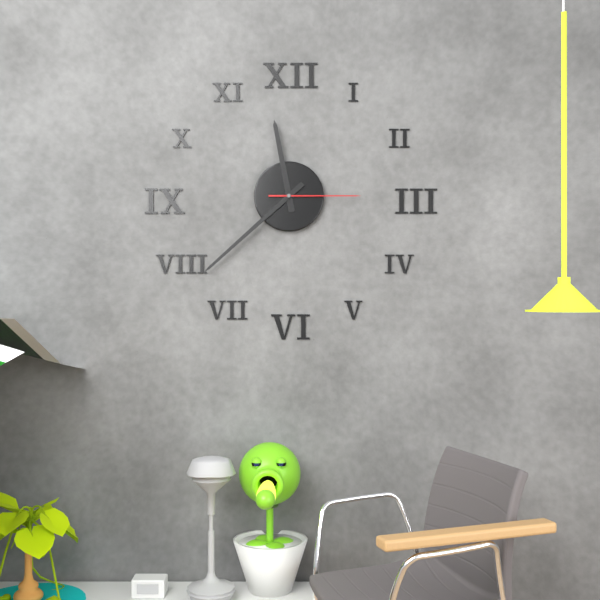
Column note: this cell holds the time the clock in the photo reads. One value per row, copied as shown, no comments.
11:38:15
